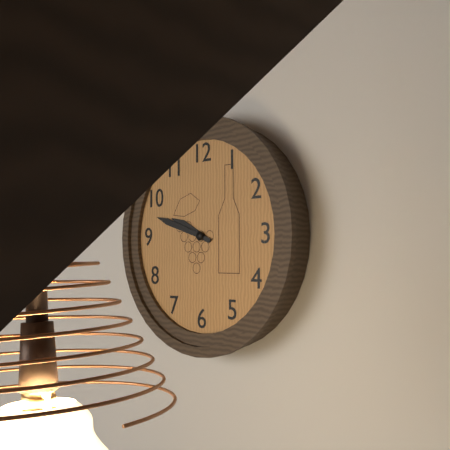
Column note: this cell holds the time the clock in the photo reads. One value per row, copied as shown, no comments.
9:48
